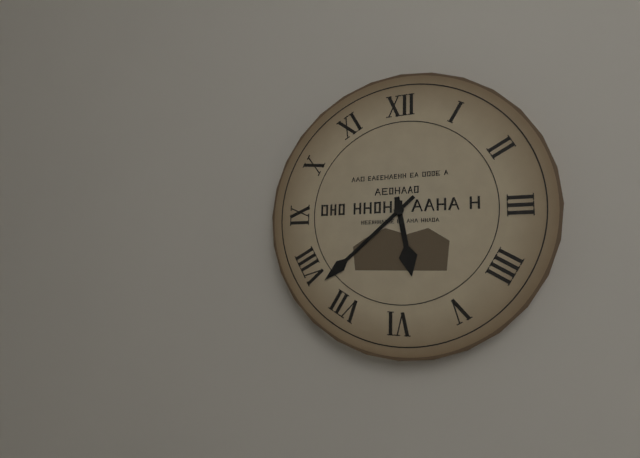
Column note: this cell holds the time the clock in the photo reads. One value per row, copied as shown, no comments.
5:38
